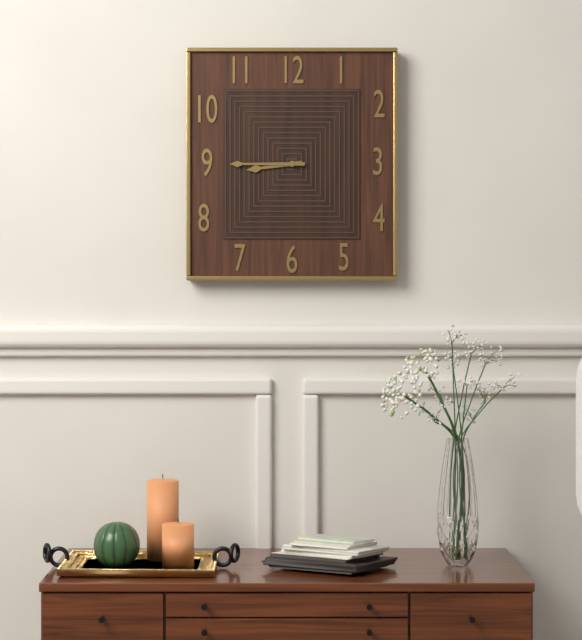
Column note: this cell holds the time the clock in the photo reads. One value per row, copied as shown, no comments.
8:45
